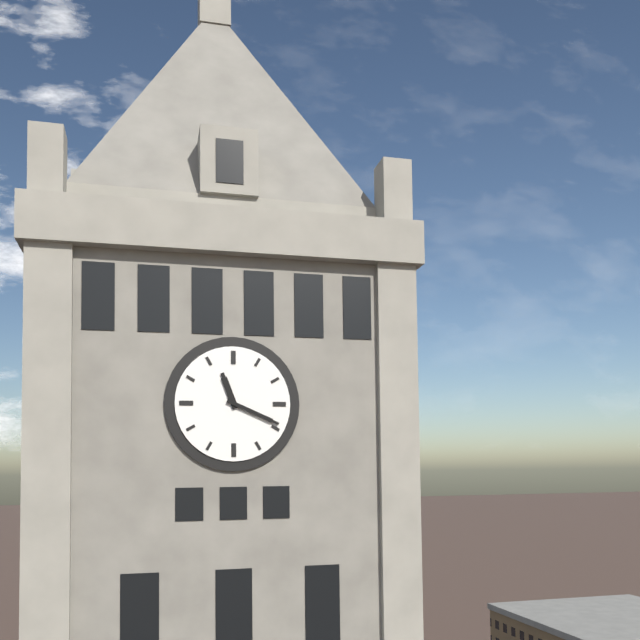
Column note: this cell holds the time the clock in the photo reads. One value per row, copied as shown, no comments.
11:19
